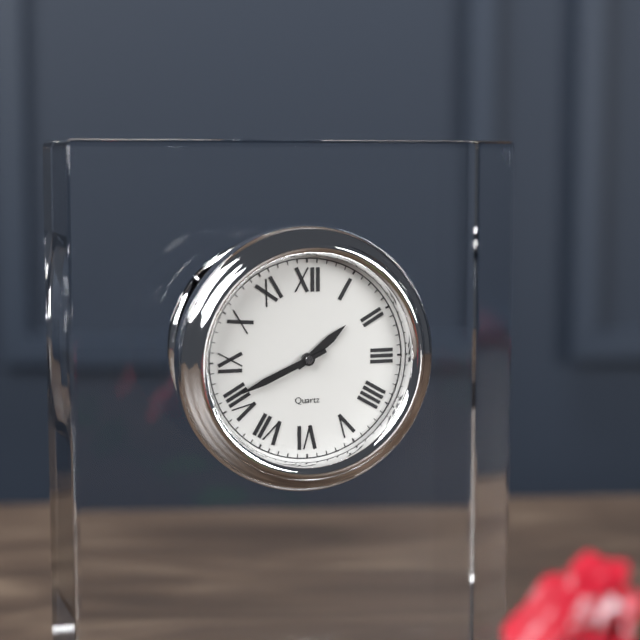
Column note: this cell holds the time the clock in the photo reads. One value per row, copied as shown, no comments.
1:41
